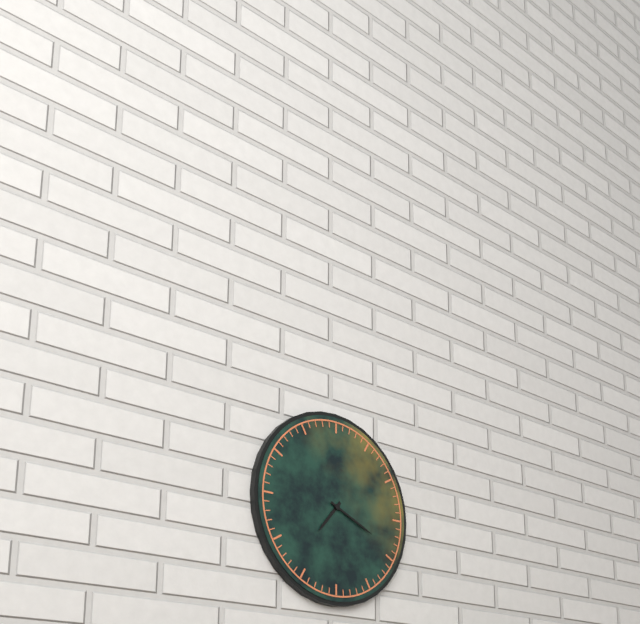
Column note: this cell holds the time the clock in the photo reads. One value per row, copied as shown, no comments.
7:19
